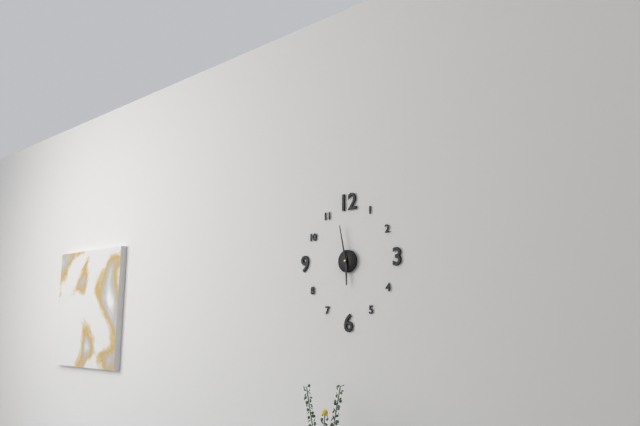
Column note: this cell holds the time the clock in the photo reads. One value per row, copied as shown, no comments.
5:58
